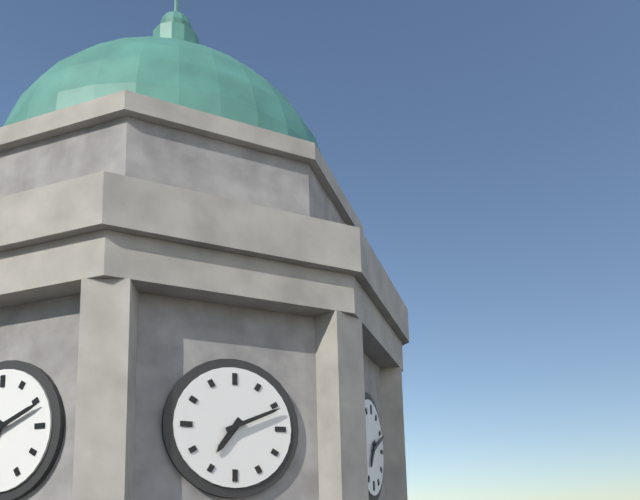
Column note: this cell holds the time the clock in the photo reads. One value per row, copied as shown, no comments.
7:11
